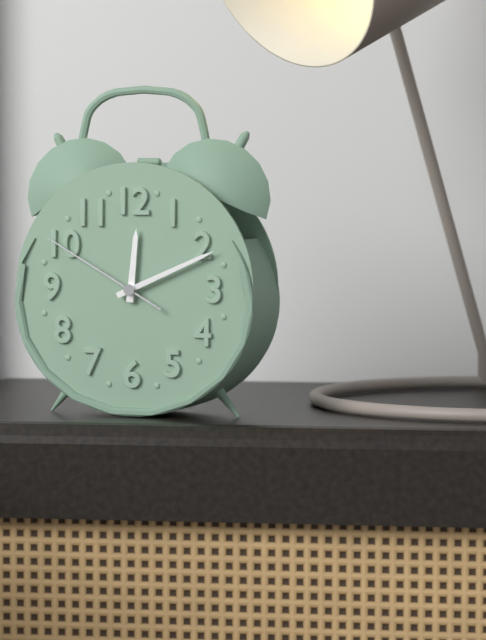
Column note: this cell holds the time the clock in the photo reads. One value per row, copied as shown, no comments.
12:11:50
